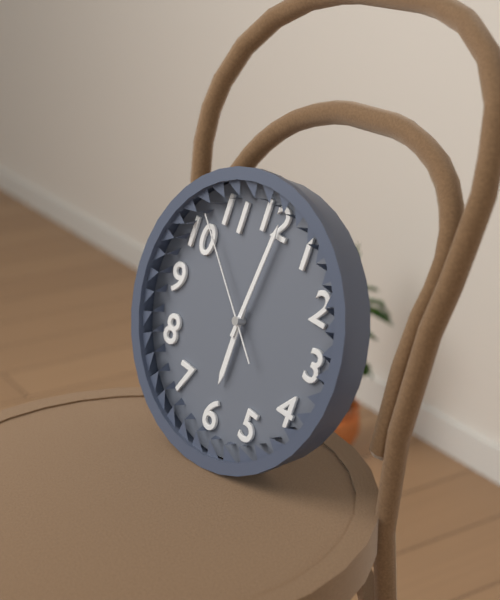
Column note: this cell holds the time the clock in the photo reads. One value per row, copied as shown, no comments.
6:01:52
